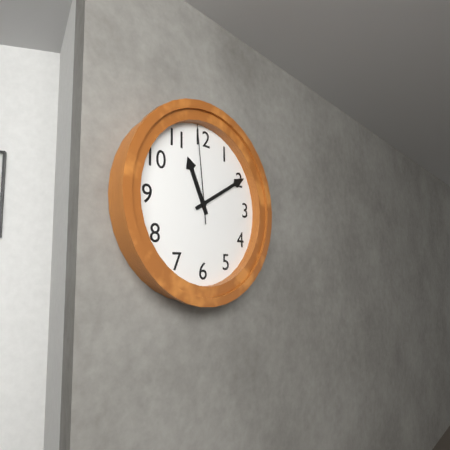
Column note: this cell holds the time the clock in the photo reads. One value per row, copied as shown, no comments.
11:10:59
